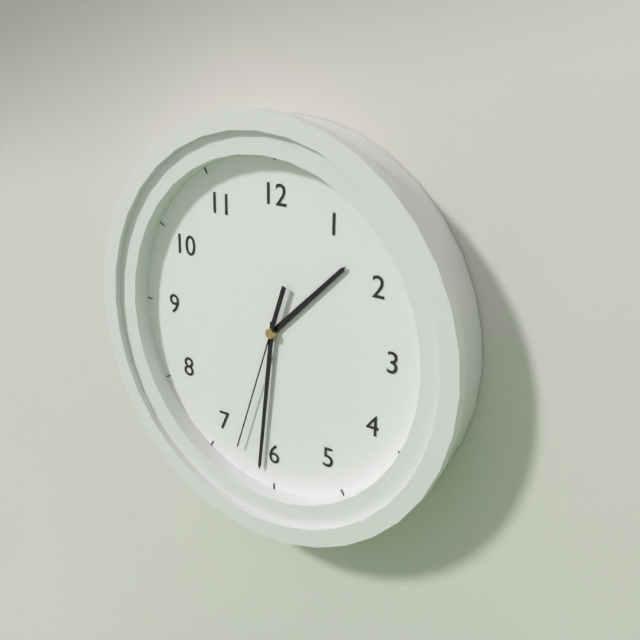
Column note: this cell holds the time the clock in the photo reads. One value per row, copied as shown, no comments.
1:31:33
